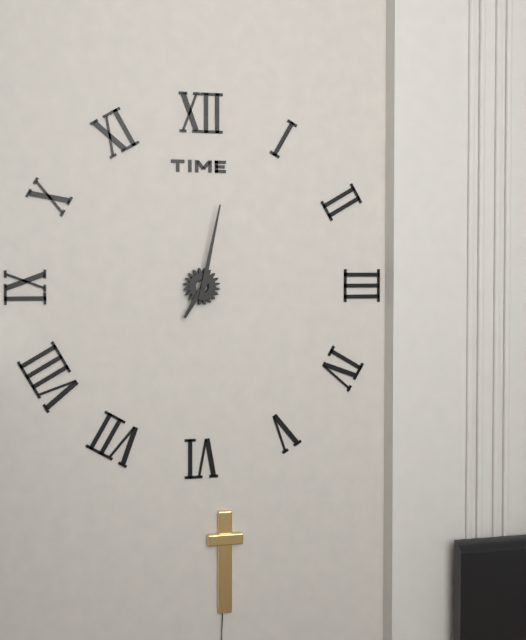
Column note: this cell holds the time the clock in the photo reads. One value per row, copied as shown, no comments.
7:02
